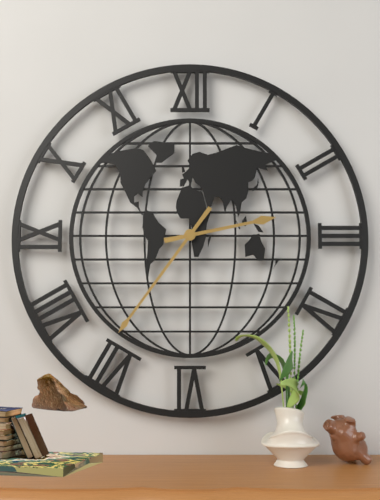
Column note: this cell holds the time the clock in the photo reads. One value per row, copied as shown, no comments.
2:36
